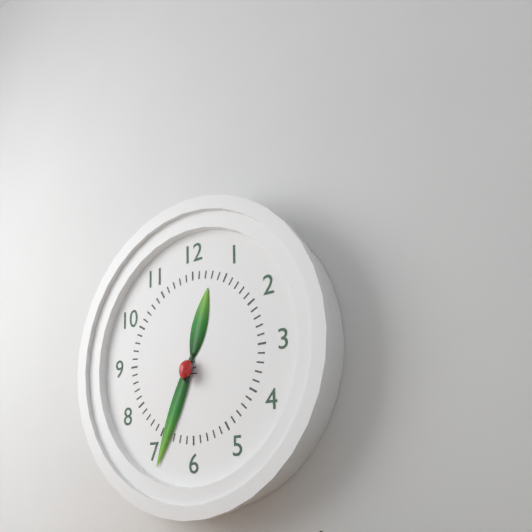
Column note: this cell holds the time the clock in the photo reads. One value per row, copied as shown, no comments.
12:34
